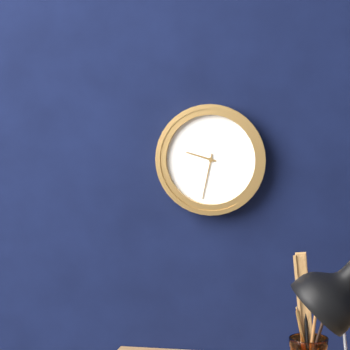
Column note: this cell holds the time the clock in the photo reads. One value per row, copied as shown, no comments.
9:32
